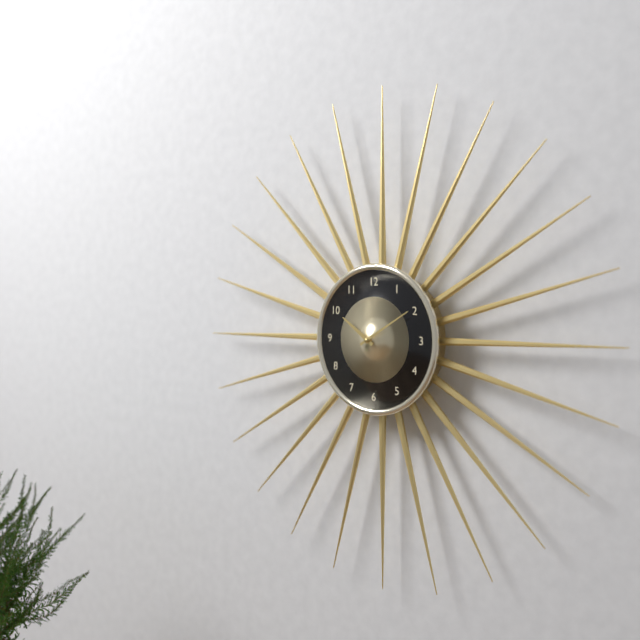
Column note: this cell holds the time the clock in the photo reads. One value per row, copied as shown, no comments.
10:10
